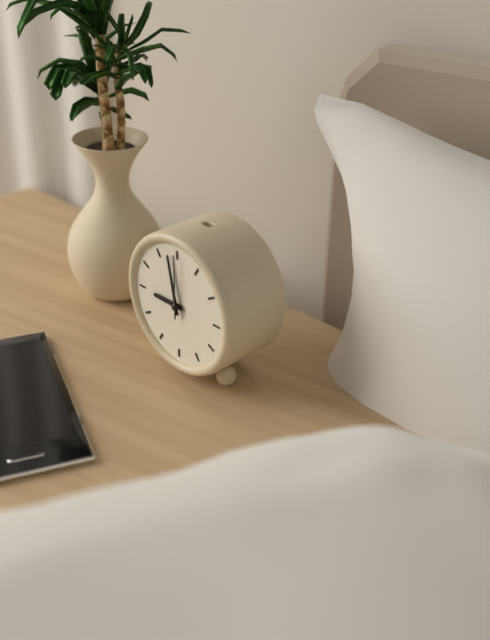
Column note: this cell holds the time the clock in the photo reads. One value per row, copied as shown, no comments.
8:58:00
